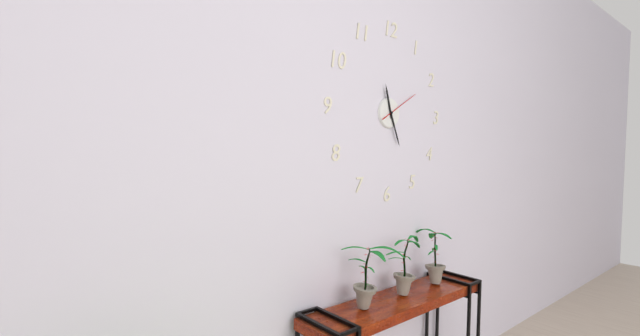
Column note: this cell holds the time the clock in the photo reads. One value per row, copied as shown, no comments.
11:26
